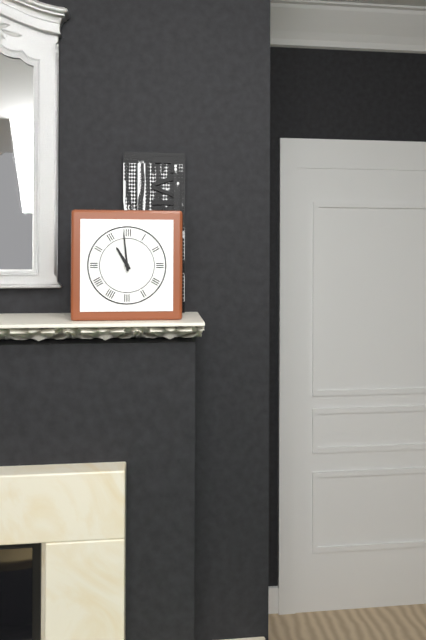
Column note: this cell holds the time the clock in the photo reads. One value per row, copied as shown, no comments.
10:59
